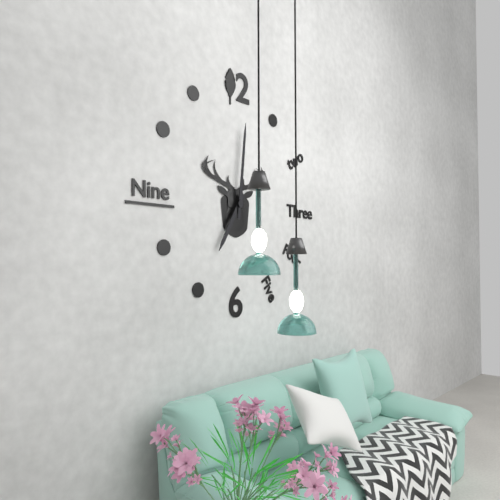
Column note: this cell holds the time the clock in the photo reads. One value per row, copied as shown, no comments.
7:01
